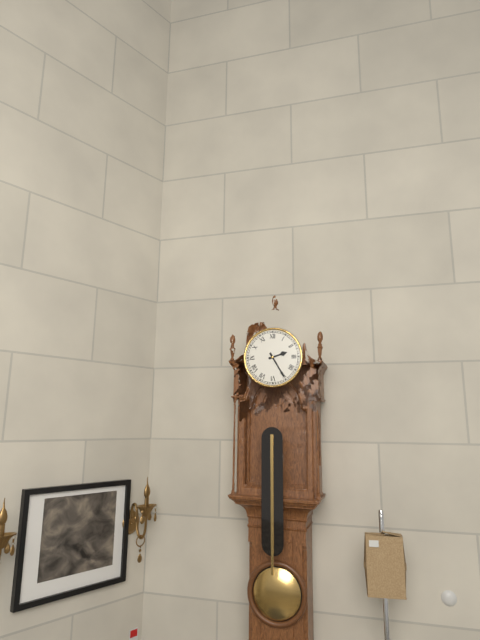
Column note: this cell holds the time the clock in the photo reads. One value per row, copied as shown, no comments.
2:25
